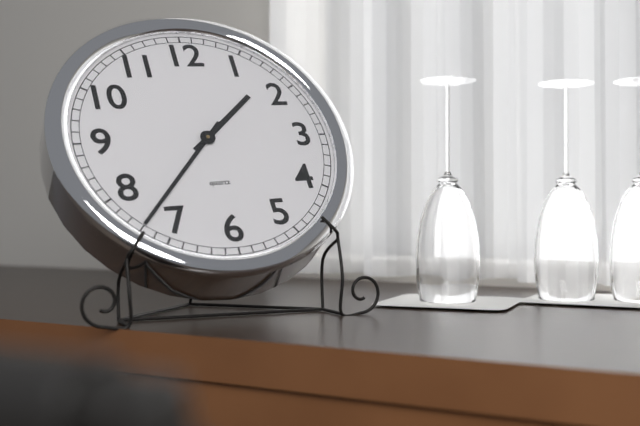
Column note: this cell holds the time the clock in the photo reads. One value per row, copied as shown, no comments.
1:37
